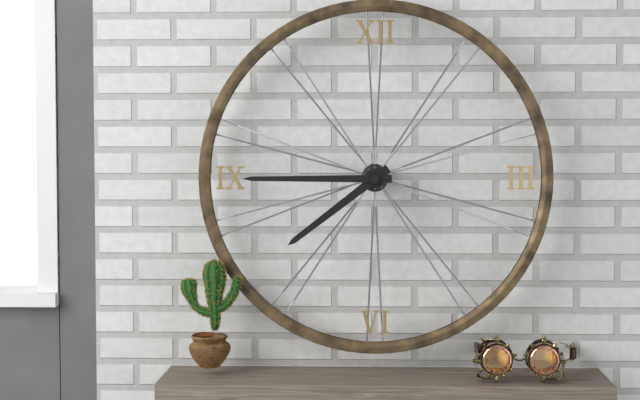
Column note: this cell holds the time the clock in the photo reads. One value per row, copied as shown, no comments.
7:45
